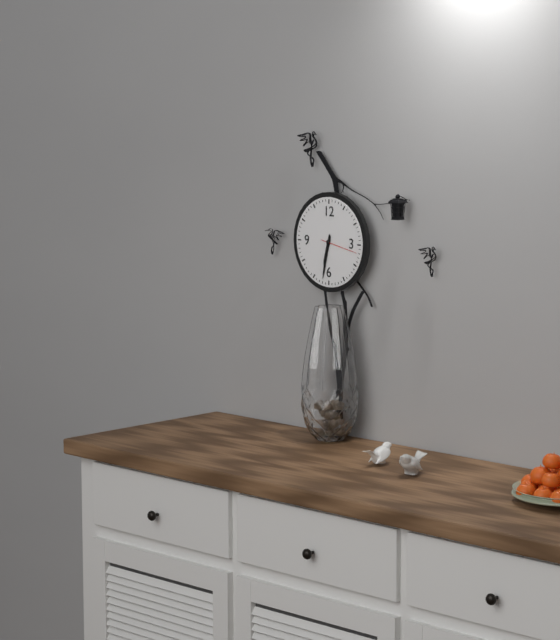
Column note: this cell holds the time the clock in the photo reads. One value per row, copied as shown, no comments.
6:32
